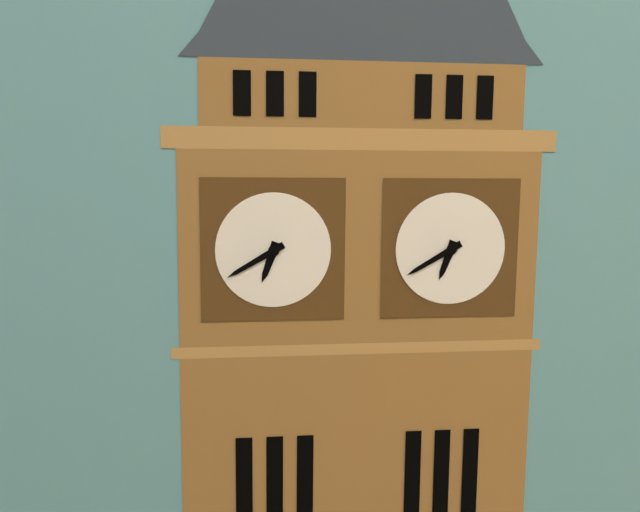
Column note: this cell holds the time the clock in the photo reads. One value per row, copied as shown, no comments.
6:40
